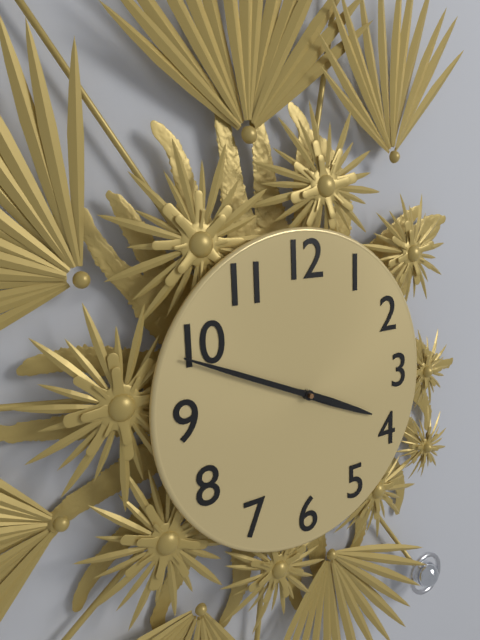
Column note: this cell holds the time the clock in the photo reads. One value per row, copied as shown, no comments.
3:49
